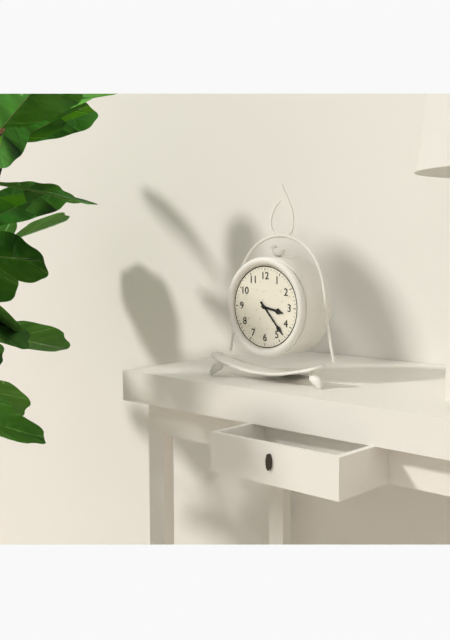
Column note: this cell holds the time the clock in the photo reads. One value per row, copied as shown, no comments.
3:23
